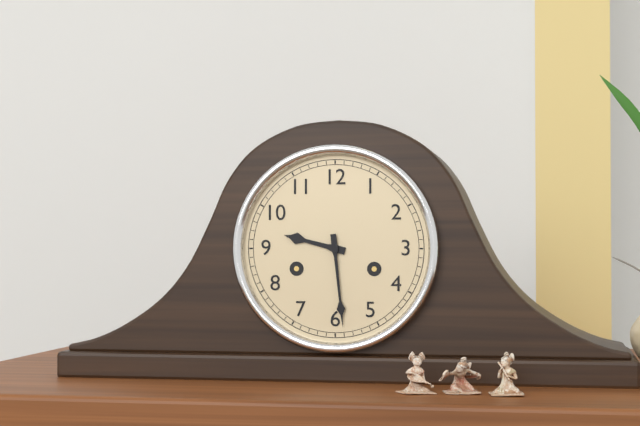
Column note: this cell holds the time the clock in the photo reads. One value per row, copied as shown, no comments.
9:29
